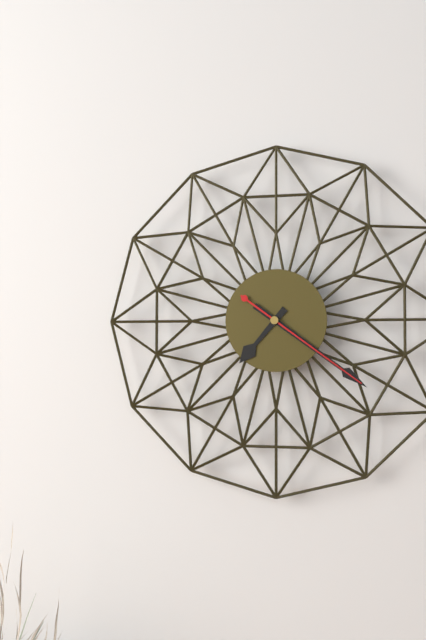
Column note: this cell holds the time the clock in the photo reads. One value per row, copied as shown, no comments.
7:21:21
